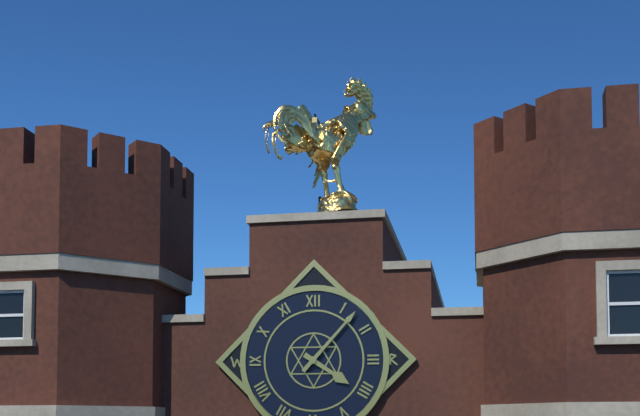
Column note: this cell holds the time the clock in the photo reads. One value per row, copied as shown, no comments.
4:07
